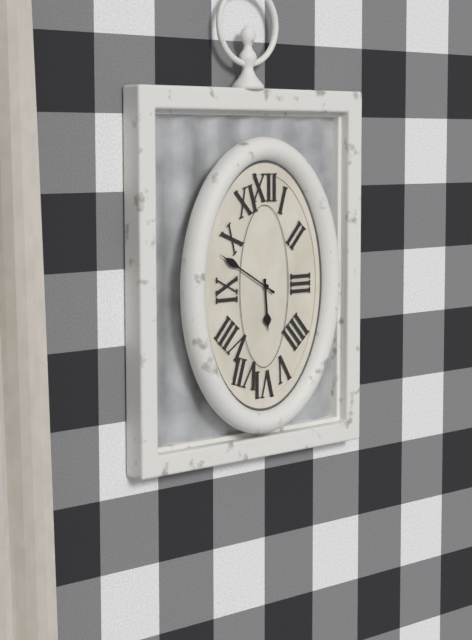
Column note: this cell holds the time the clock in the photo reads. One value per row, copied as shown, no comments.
5:50
